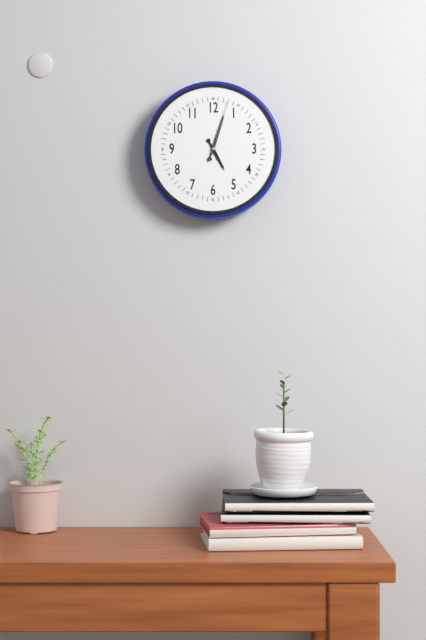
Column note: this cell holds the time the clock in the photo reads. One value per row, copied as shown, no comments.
5:03:03
